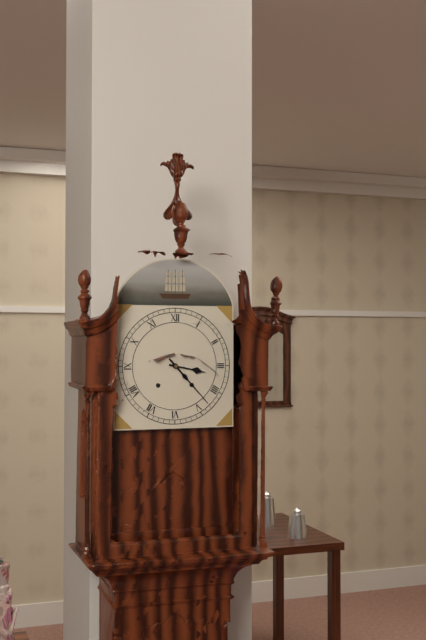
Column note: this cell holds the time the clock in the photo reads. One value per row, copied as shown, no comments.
3:23
